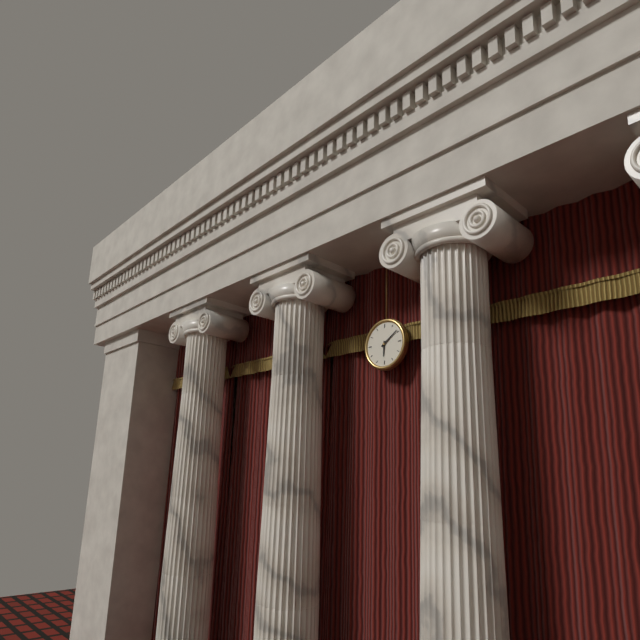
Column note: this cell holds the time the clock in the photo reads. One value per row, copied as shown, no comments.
6:09
